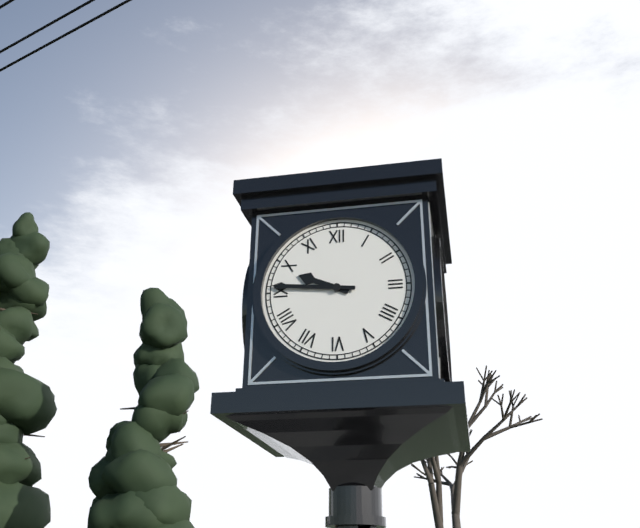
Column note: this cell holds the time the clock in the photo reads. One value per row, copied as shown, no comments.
9:46
